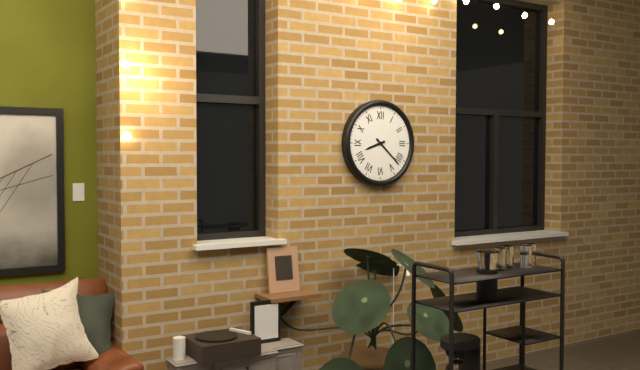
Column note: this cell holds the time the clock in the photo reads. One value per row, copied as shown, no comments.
8:22
